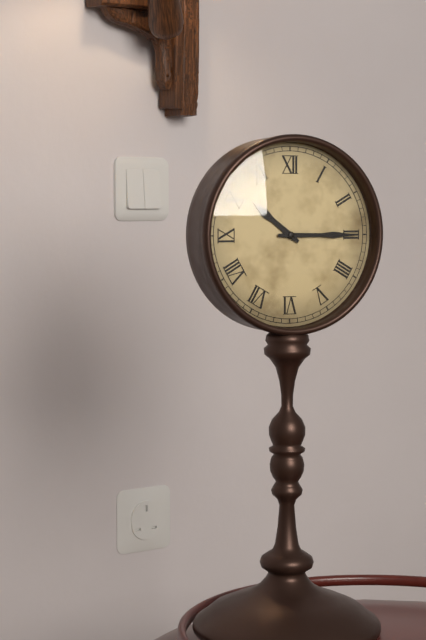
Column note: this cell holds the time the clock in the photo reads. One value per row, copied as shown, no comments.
10:15
